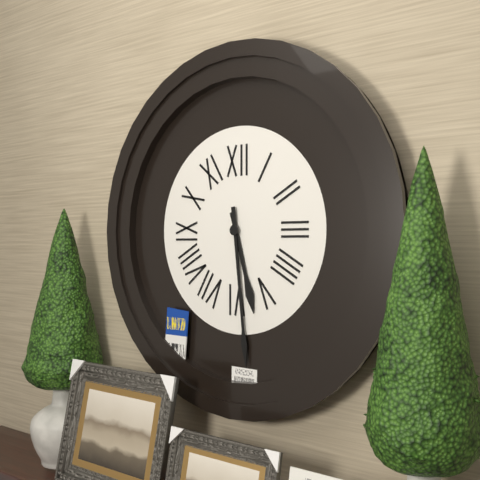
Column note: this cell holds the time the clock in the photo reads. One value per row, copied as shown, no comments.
5:29
